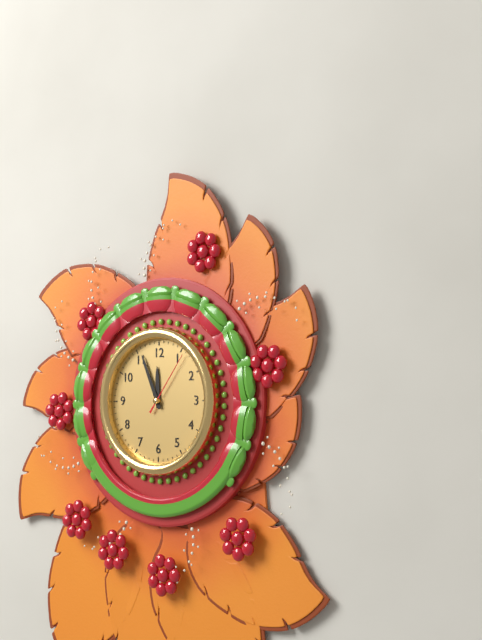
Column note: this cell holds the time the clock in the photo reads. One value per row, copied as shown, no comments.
11:56:06
